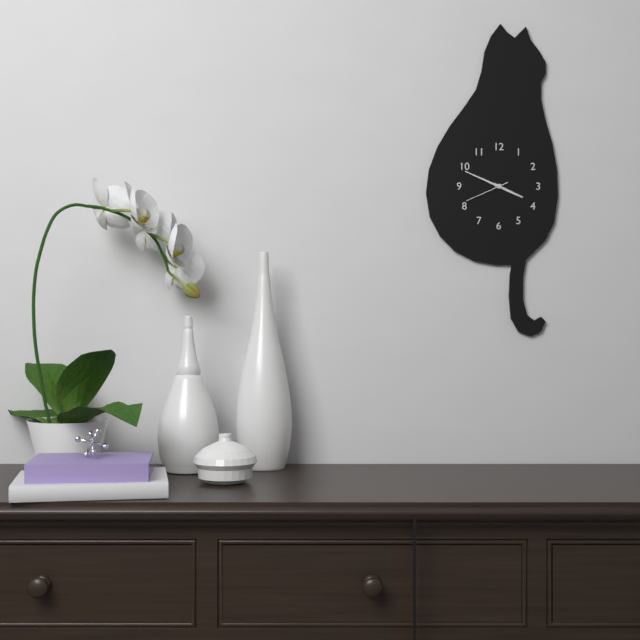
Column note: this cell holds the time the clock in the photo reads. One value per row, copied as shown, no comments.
3:49
